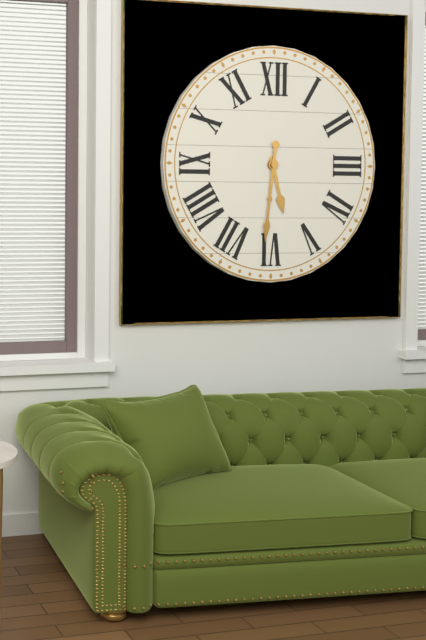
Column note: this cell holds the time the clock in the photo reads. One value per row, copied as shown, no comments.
5:31
